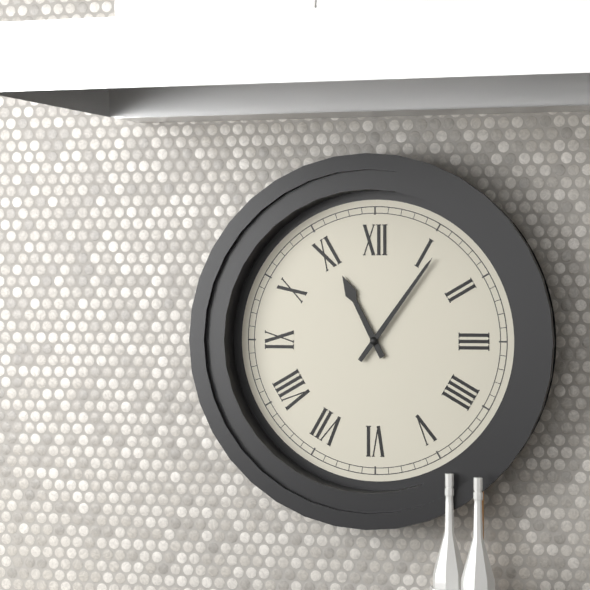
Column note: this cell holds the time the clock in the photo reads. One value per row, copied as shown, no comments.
11:06
